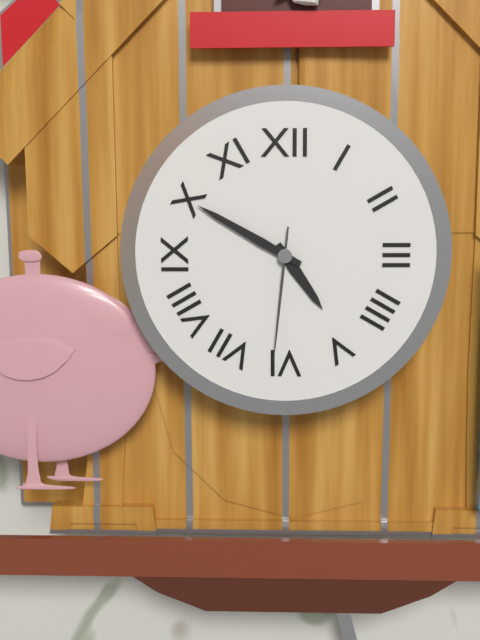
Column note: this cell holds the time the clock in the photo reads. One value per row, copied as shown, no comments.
4:50:31
